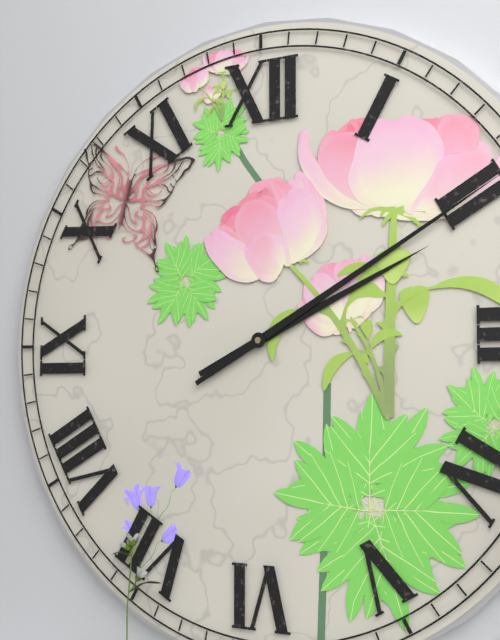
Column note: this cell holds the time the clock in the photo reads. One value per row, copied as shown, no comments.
2:10
